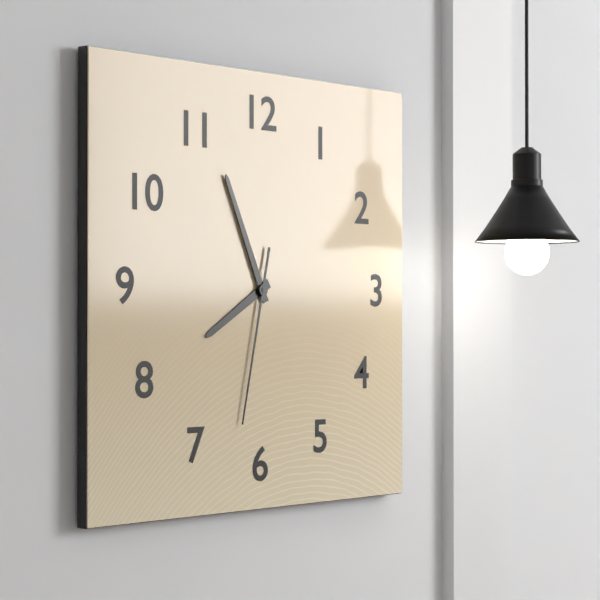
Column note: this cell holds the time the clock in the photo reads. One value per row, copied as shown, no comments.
7:56:32
